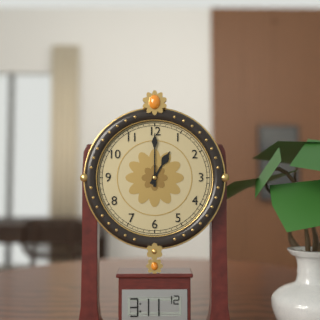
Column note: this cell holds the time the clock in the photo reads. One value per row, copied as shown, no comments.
1:00
